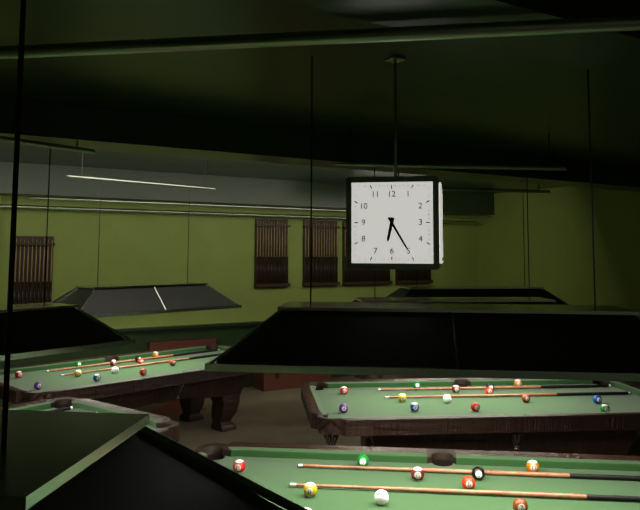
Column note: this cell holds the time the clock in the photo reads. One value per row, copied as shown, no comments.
6:25
